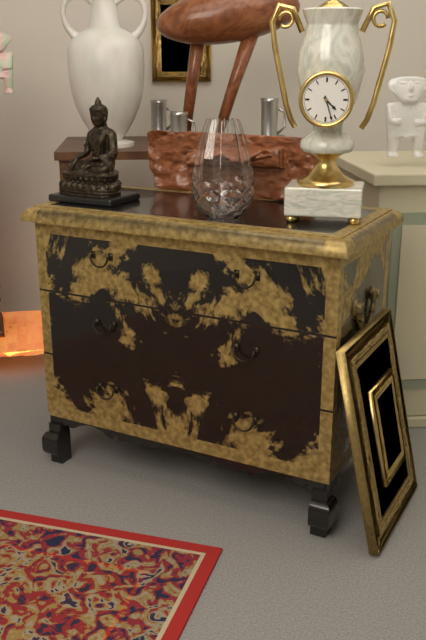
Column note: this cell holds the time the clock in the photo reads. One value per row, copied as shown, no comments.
4:27
